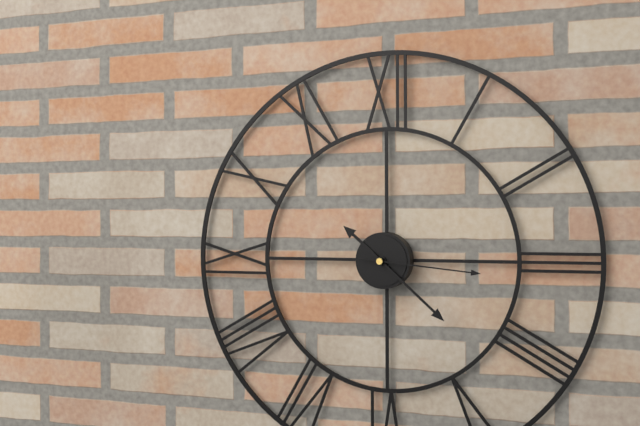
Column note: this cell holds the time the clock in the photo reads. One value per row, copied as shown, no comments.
10:22:16
